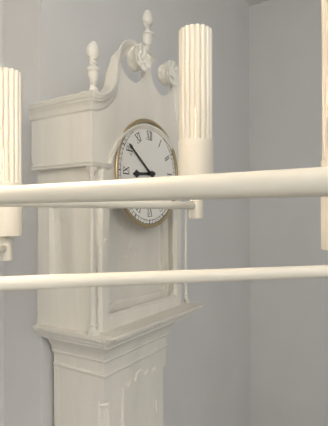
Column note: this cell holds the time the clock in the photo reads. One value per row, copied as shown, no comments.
8:51
